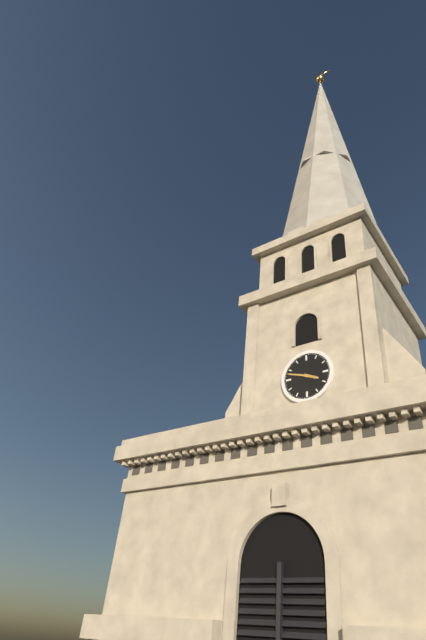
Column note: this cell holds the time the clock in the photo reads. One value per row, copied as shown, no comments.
3:48
